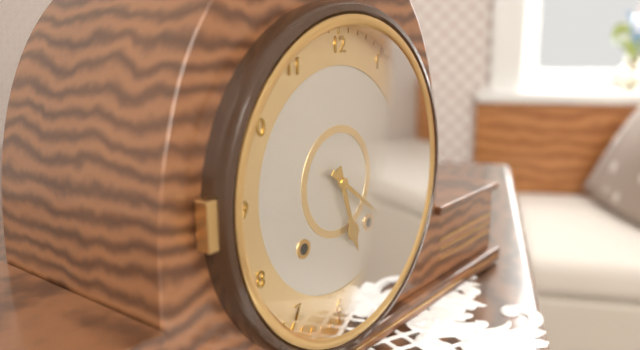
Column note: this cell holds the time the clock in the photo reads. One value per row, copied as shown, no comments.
5:21
